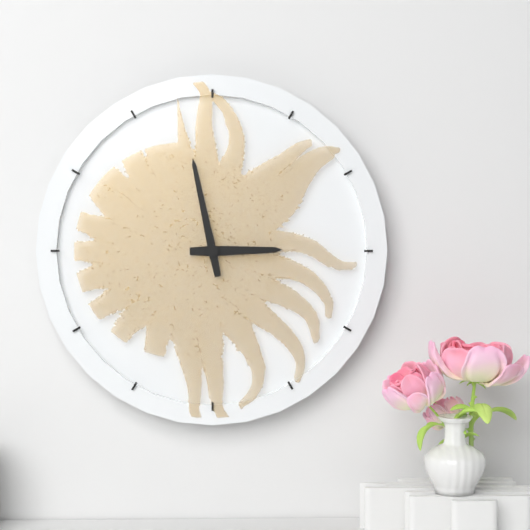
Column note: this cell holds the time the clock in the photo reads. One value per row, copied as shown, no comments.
2:58
